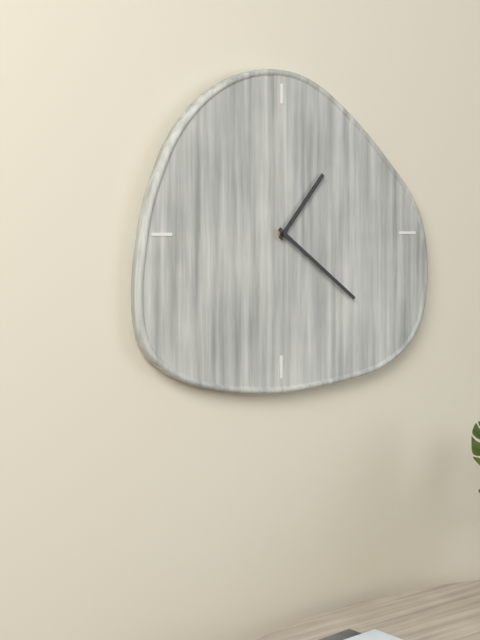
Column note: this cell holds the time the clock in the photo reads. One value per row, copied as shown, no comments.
1:21
